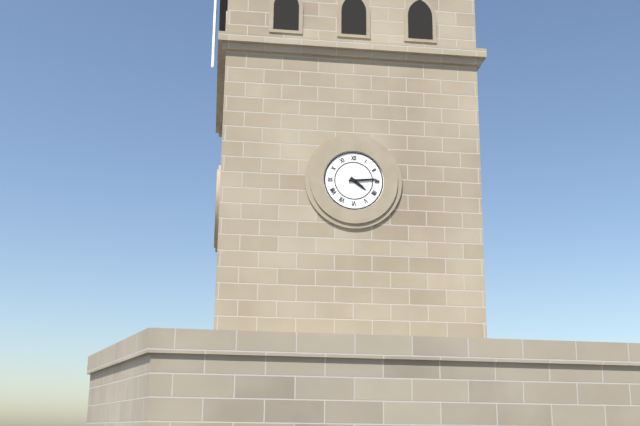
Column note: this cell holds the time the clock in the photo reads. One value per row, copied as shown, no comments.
4:14
